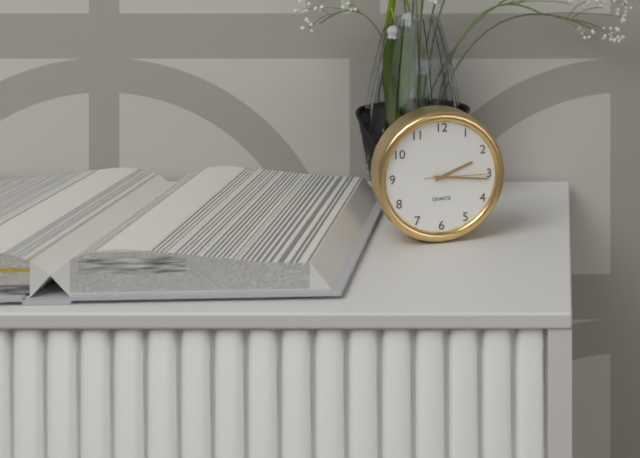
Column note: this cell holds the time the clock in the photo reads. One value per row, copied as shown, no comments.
2:16:15
